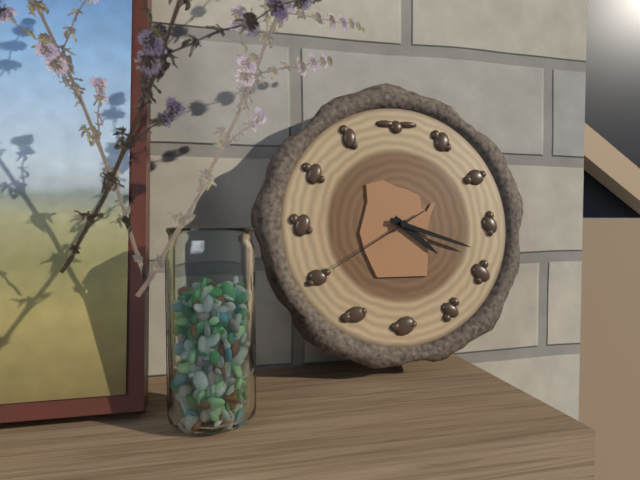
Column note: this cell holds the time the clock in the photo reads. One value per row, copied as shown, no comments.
4:18:40
